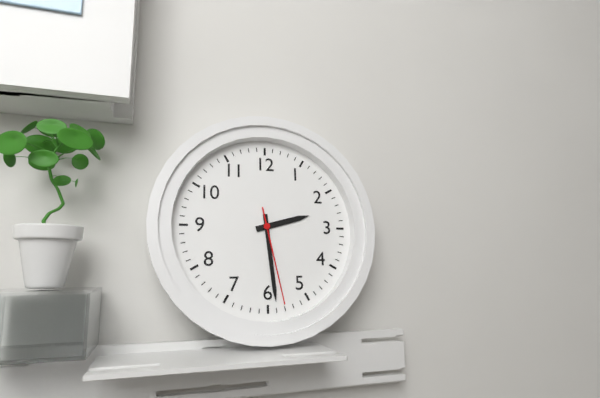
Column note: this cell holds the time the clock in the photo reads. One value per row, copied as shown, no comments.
2:29:28
